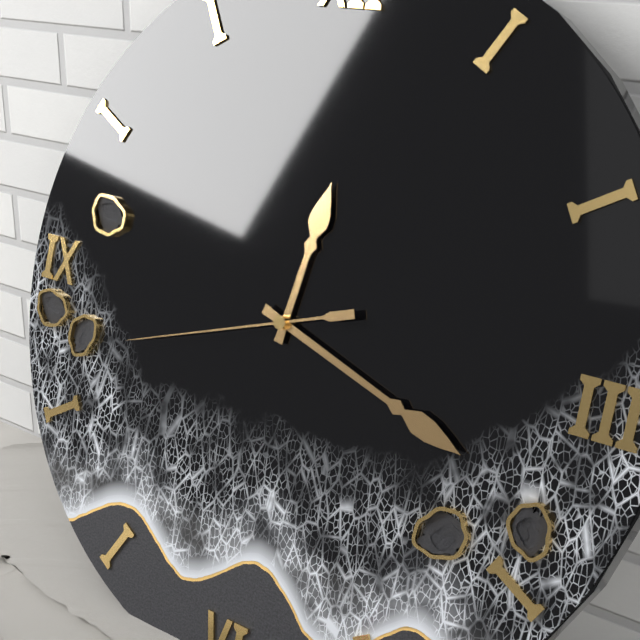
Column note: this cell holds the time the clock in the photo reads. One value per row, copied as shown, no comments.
12:18:42
